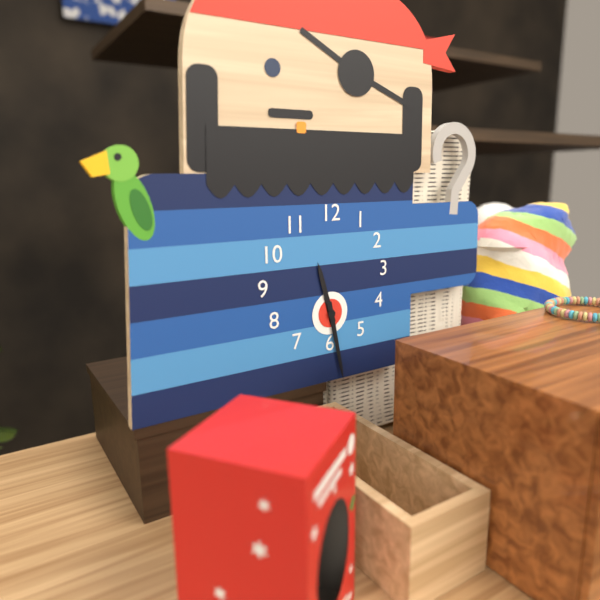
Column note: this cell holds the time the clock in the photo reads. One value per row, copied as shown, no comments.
11:28
